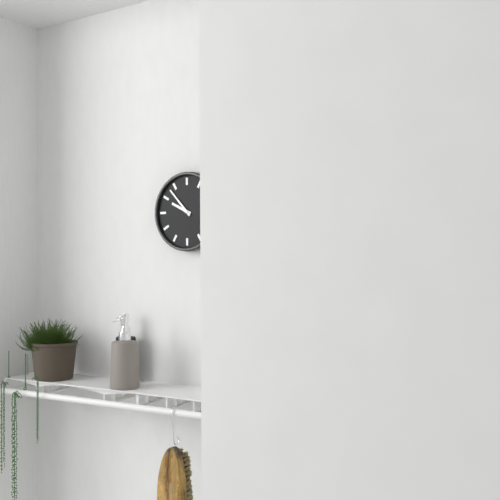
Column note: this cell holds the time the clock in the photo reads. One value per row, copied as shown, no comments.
9:53
